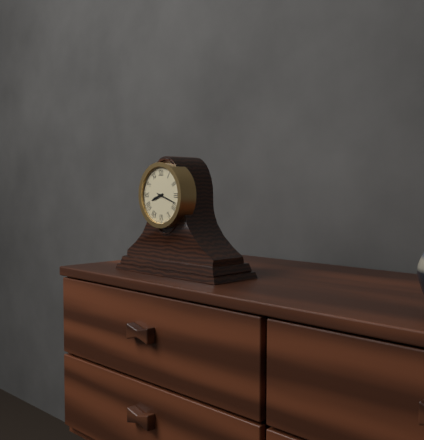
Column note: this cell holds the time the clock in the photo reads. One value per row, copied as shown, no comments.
8:18
